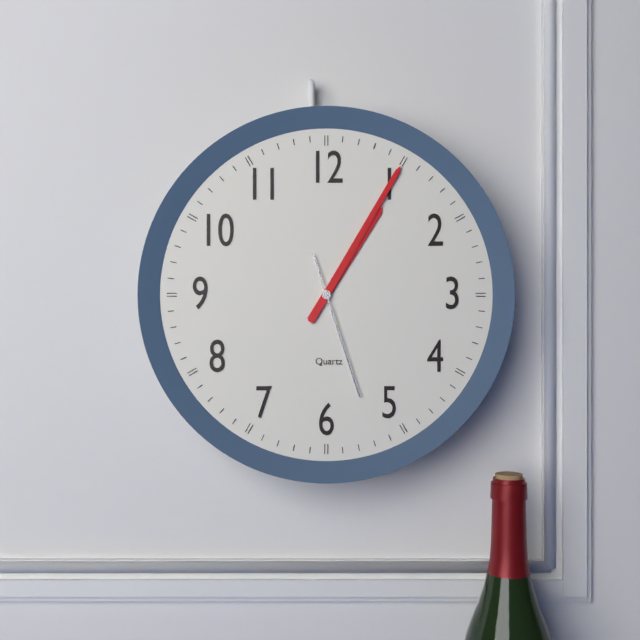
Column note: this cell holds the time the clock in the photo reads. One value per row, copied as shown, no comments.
1:05:27
